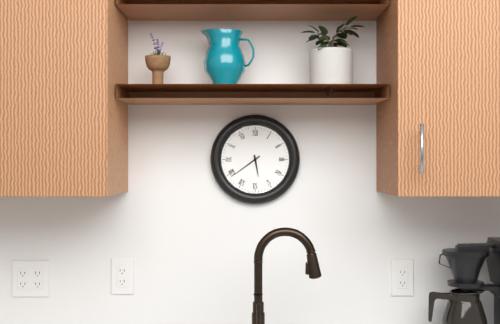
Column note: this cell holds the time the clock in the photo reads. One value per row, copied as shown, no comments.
5:39
